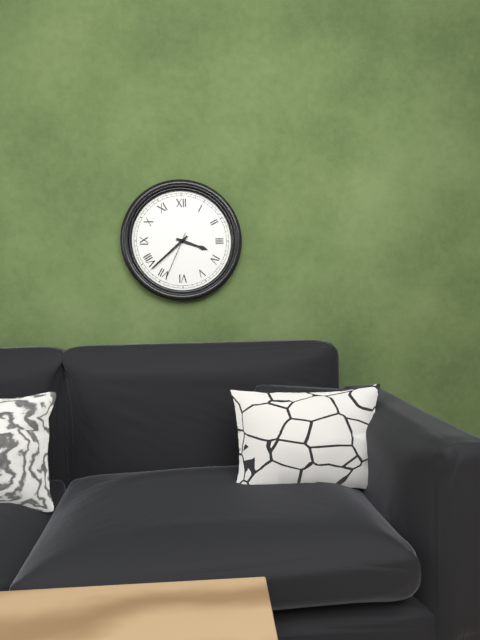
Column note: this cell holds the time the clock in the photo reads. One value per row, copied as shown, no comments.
3:38:34
